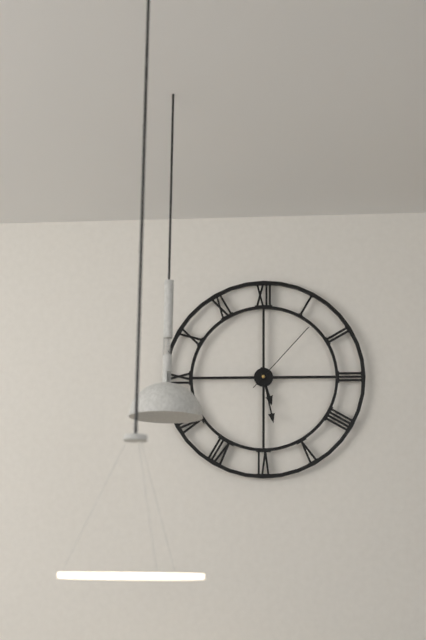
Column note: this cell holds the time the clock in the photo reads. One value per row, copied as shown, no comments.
5:28:07
